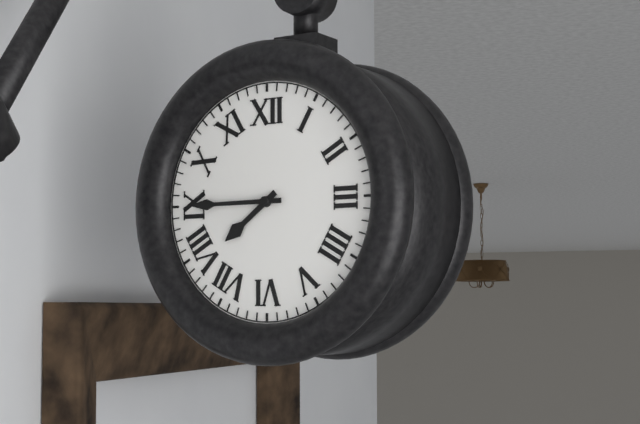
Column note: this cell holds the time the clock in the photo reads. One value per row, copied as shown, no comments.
7:45
